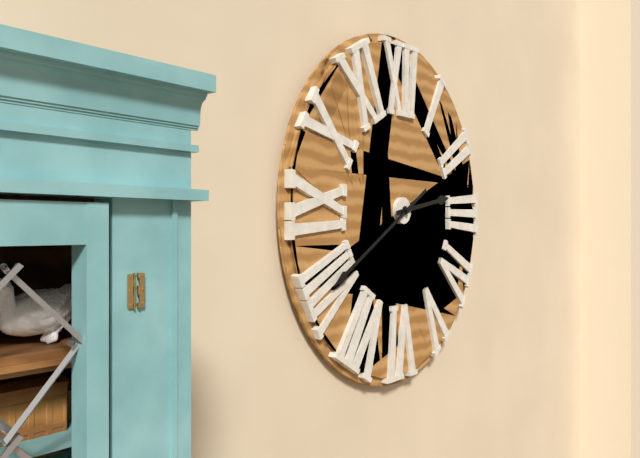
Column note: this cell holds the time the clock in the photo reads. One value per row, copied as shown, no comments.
2:40
